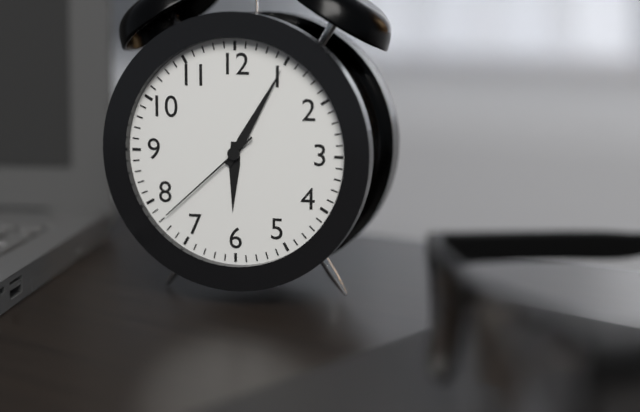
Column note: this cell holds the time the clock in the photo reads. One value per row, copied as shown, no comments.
6:05:38
